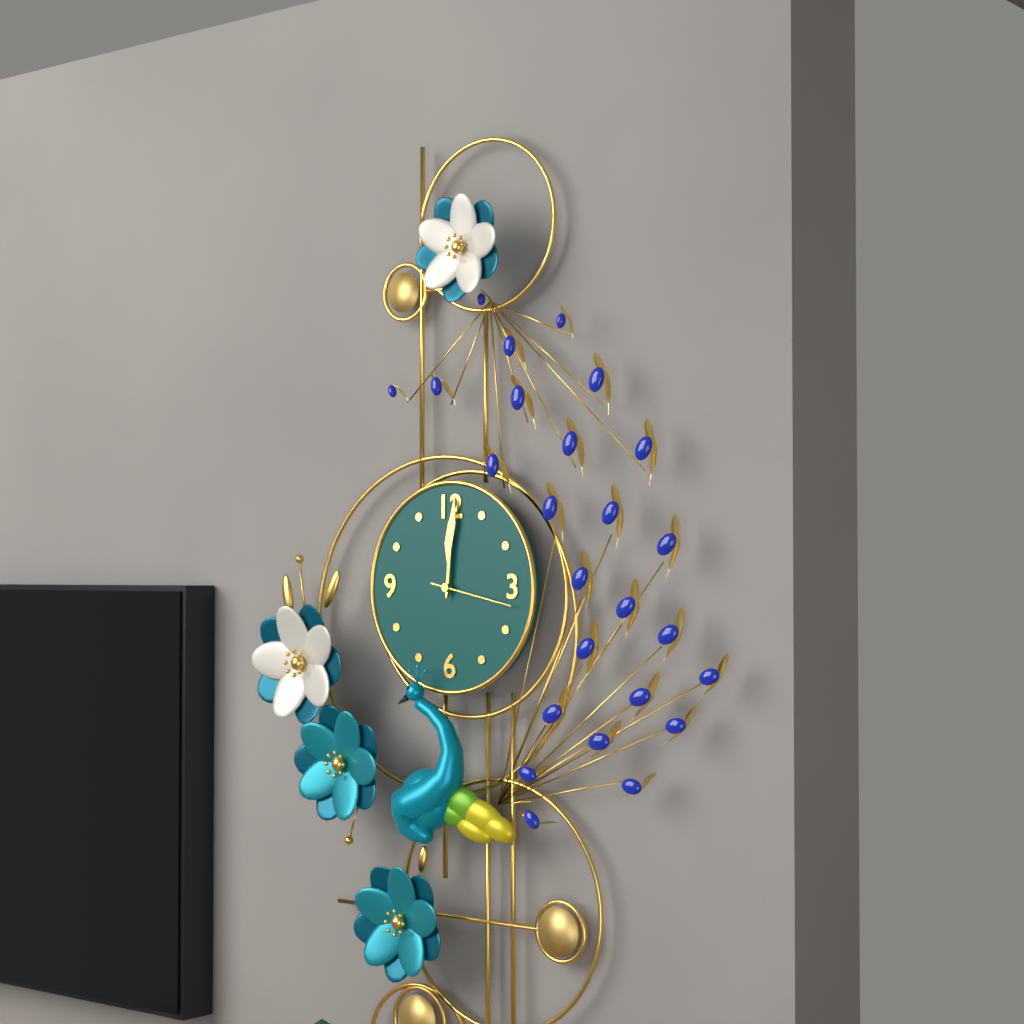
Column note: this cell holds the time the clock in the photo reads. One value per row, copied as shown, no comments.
12:01:17
